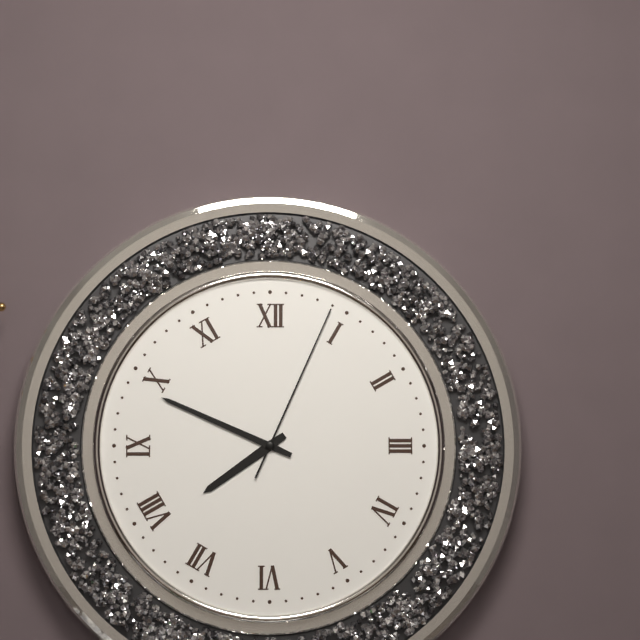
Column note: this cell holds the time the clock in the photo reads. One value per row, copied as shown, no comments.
7:49:04
